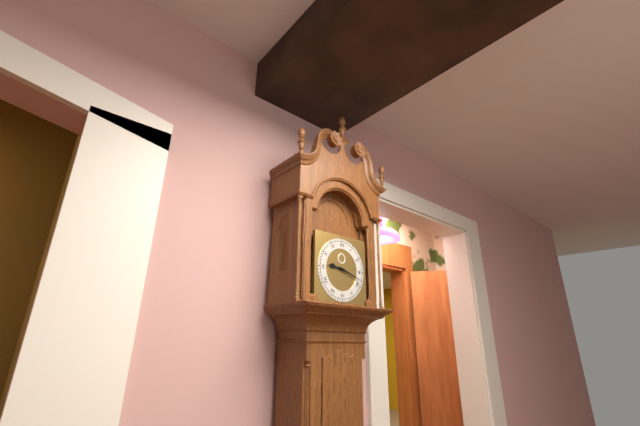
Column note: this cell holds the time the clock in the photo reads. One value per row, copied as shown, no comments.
9:18
